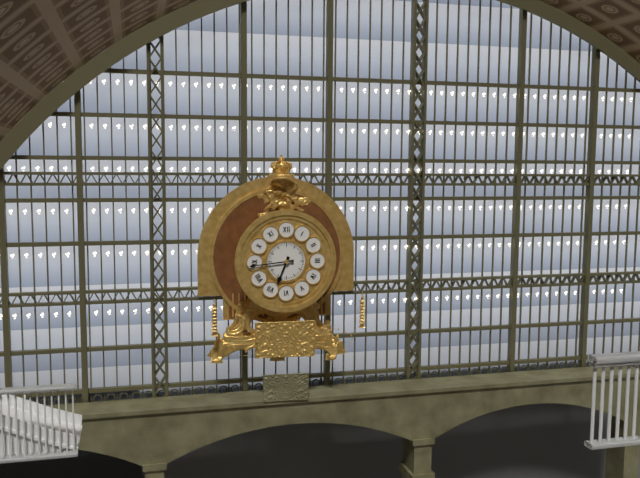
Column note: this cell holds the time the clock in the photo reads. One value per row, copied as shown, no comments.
6:44
